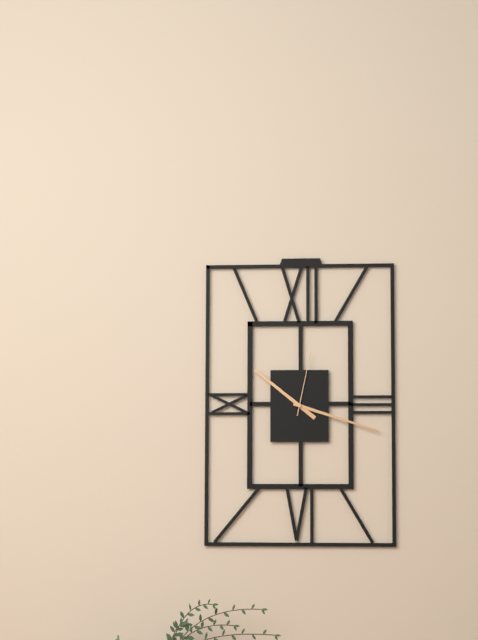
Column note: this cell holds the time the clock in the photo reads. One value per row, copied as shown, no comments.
10:18:02
